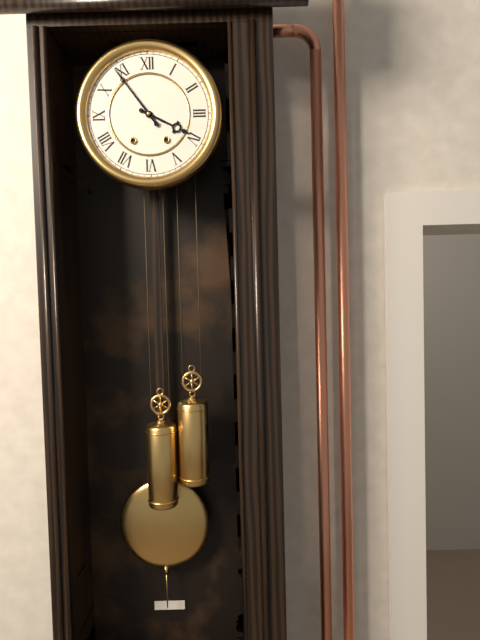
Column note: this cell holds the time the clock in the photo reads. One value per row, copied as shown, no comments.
3:54
